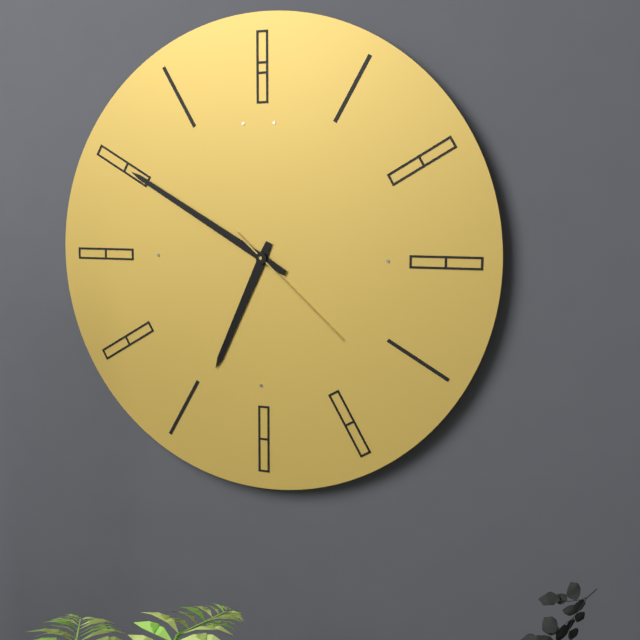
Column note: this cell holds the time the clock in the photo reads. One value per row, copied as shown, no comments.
6:50:22
